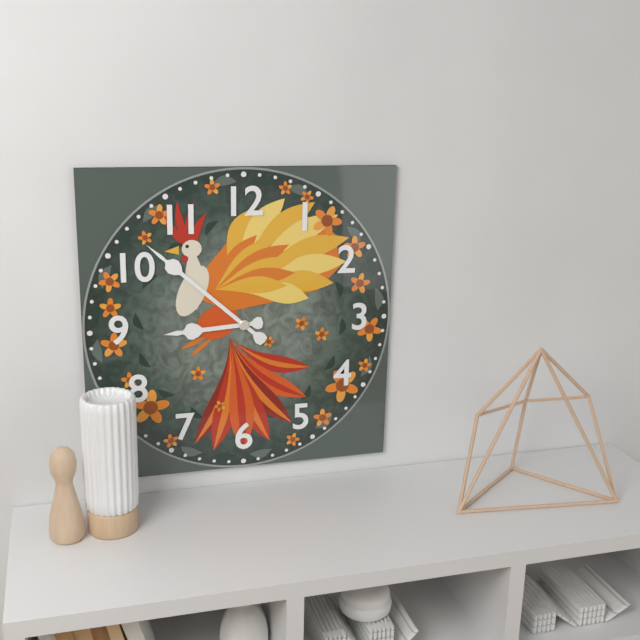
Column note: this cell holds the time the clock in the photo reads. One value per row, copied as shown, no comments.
8:52
